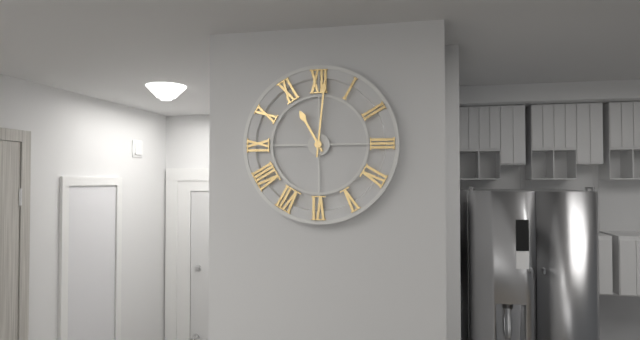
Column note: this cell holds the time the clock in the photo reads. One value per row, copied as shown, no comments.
11:01
